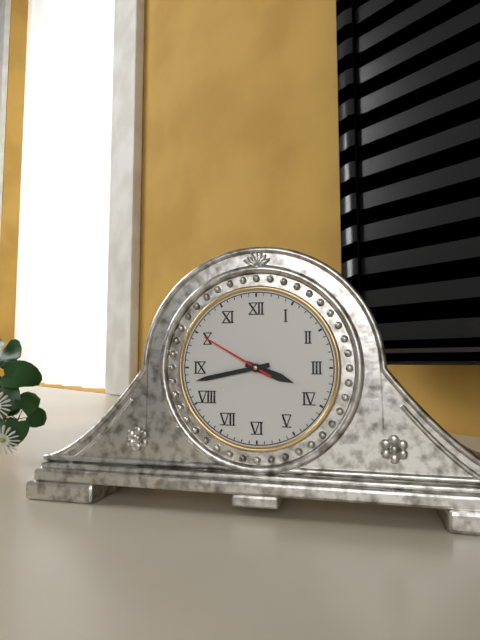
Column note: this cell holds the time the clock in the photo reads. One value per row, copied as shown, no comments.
3:43:50
